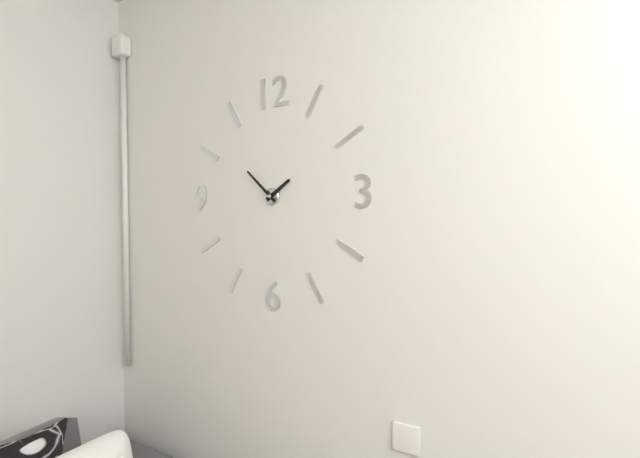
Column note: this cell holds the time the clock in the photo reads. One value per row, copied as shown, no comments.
1:52
